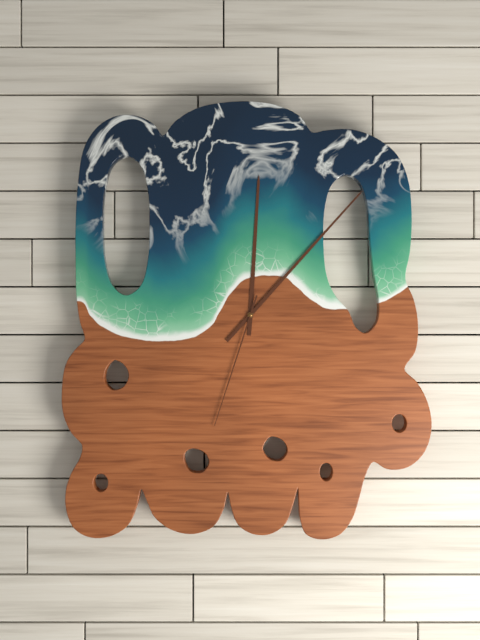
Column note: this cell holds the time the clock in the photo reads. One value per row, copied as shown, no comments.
12:07:33
